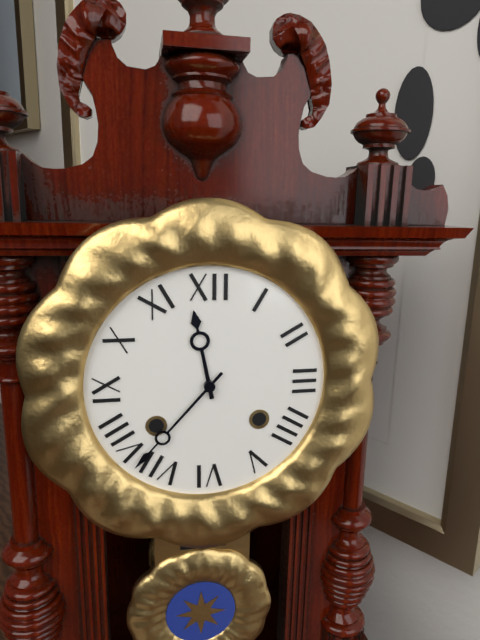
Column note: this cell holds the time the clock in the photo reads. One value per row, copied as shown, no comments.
11:37
